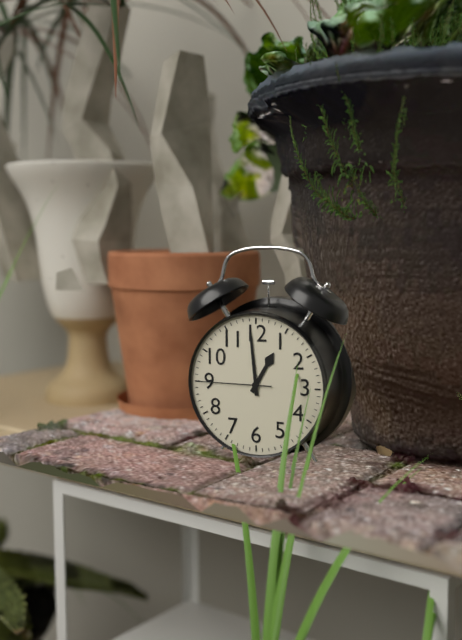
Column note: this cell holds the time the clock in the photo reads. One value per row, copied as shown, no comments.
12:59:45
